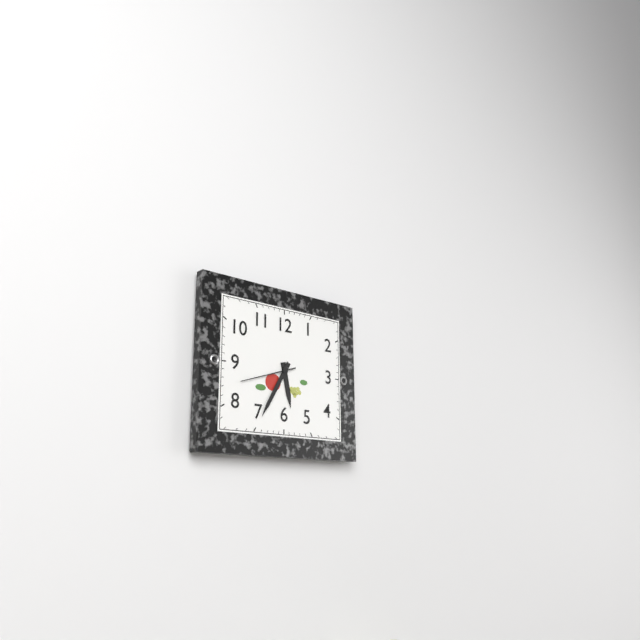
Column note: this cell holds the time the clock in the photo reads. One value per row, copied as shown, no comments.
5:35:42
